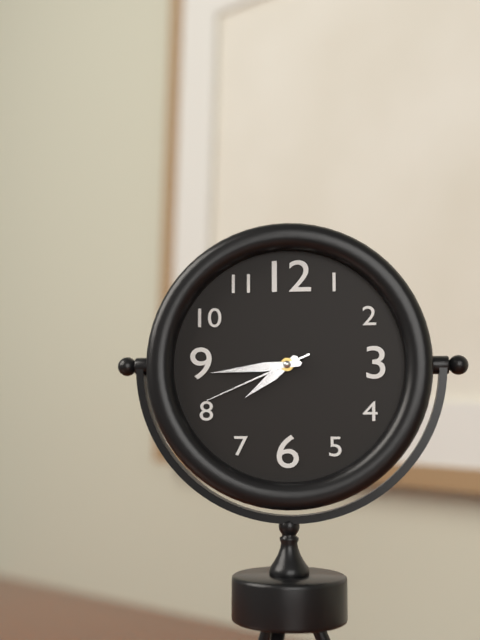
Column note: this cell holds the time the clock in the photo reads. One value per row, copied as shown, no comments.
7:44:41
